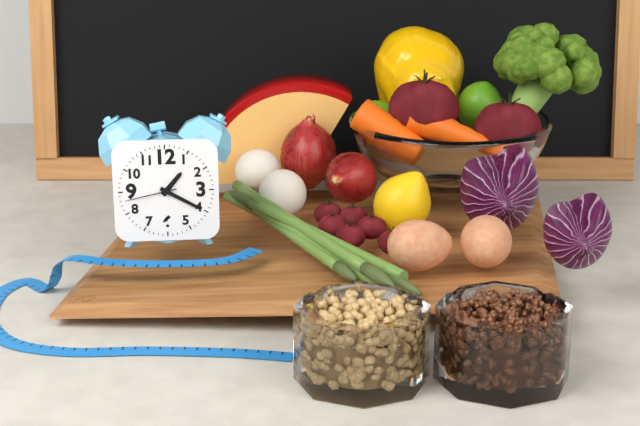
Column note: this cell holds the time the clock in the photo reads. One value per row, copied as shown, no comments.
1:20:43
